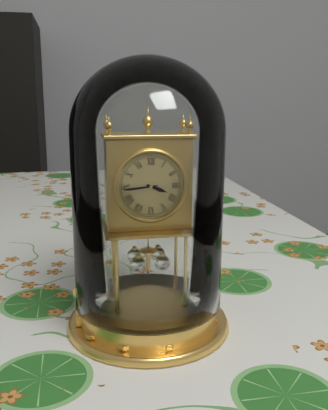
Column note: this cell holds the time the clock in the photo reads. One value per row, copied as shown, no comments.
3:44
